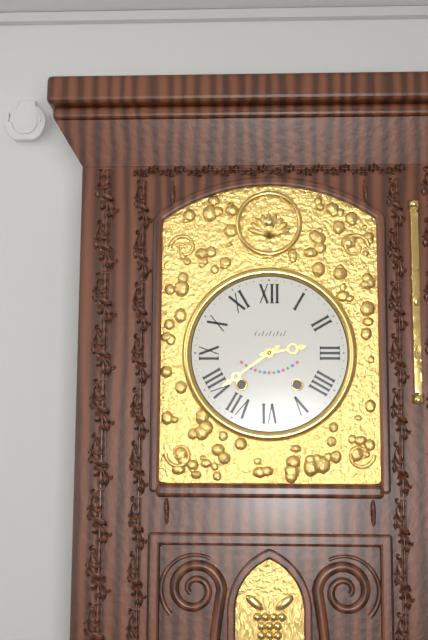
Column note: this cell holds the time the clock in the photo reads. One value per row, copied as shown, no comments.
2:39
